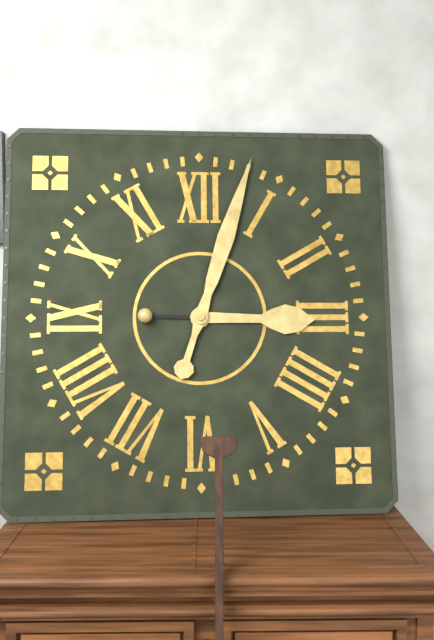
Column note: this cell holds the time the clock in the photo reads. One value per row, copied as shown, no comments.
3:03
